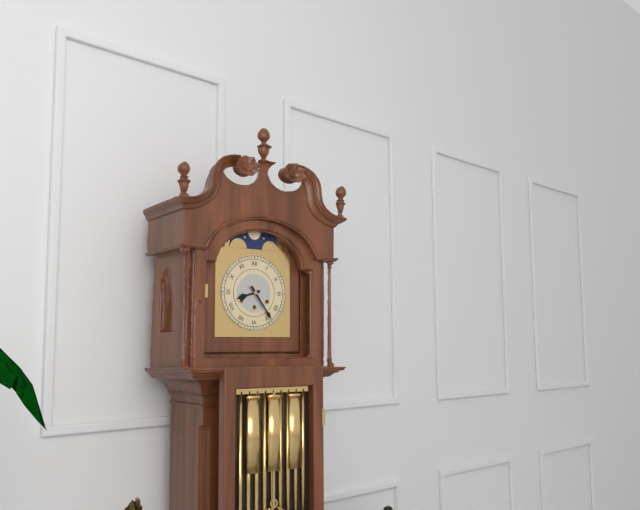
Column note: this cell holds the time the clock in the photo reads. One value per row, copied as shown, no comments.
8:24
